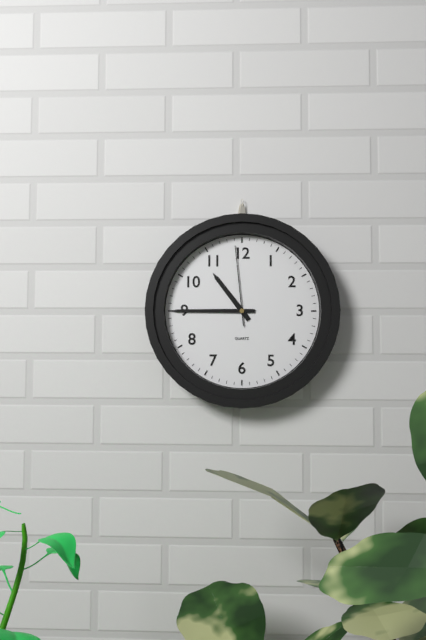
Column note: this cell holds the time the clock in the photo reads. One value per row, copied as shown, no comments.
10:45:59
